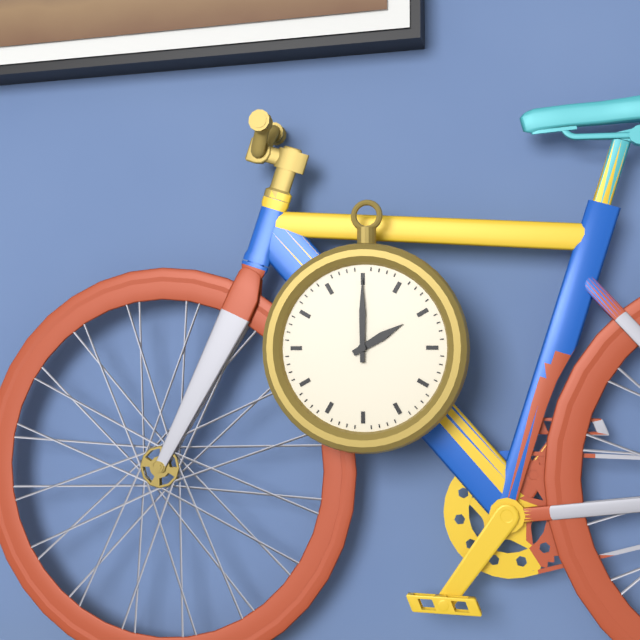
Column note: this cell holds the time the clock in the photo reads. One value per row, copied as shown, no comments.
2:00
